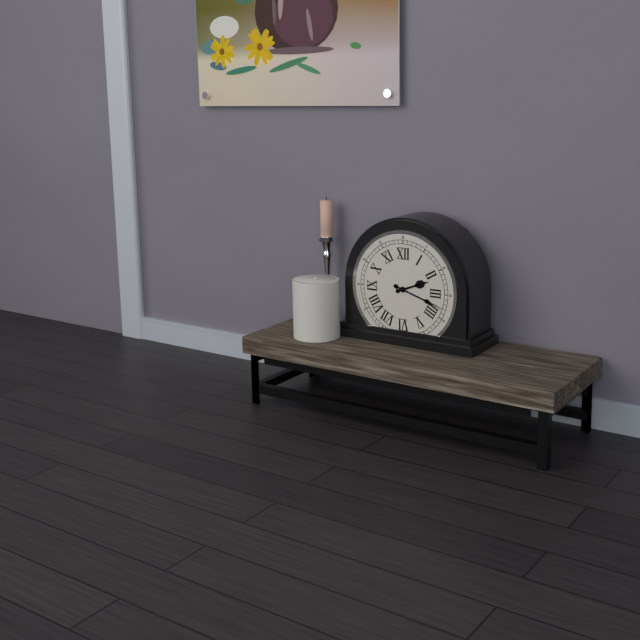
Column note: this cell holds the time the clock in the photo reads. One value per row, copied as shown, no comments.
2:18
